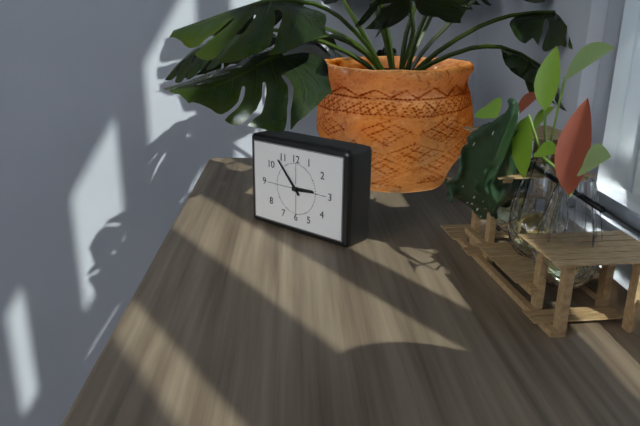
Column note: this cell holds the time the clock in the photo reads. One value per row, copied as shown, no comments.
2:53
